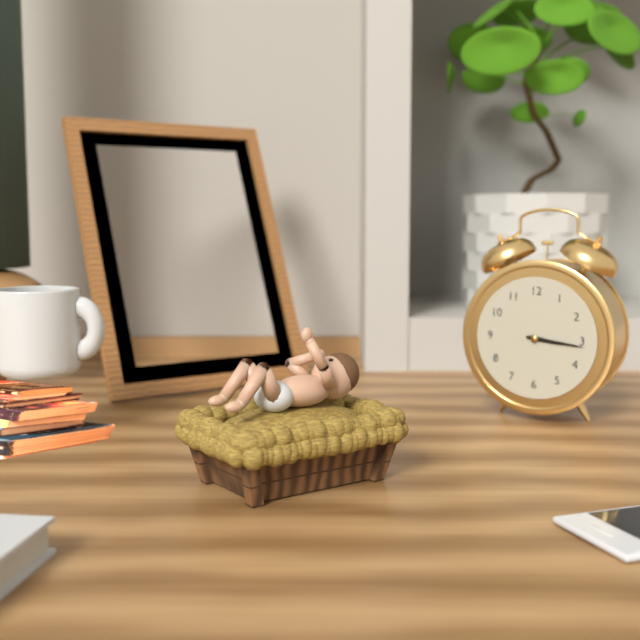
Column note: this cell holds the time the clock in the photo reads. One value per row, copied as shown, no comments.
3:16
